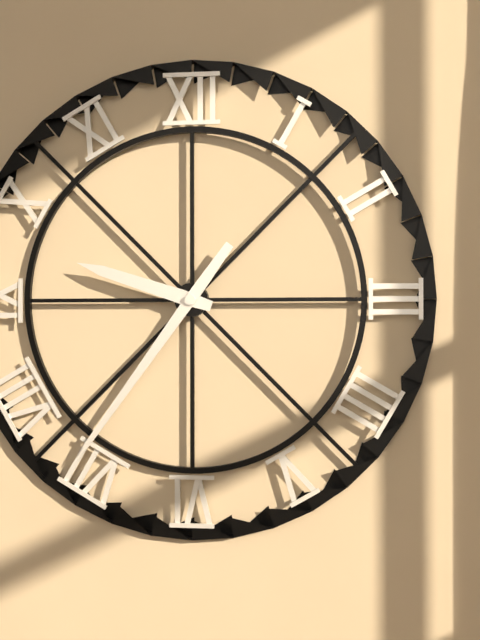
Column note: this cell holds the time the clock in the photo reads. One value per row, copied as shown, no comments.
9:36
